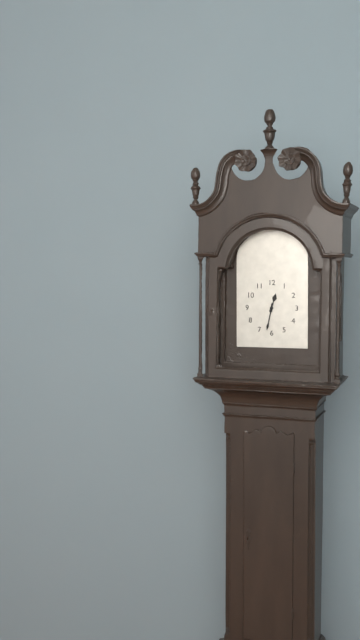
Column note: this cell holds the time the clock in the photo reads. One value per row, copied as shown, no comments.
12:32
